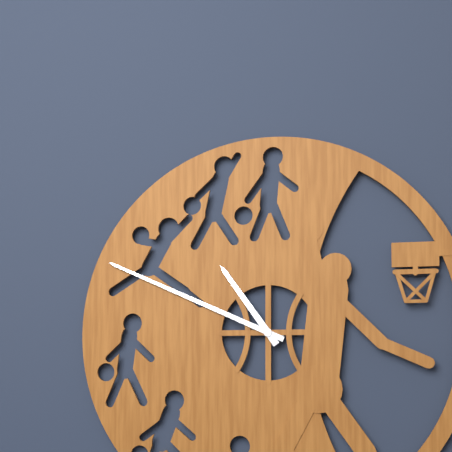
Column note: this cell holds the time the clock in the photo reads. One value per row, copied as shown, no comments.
10:49
